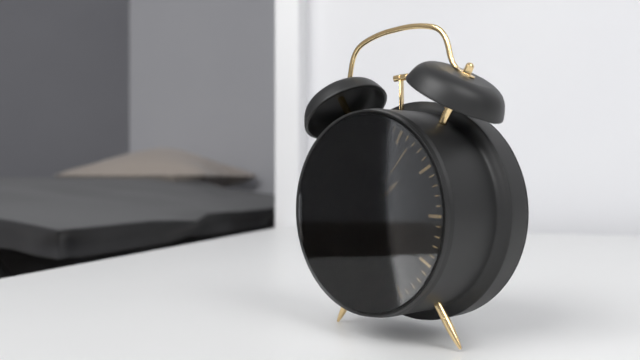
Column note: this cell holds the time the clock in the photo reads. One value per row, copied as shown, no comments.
1:47:07
